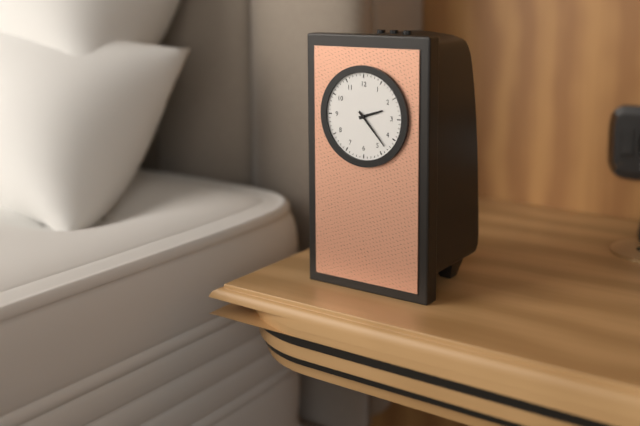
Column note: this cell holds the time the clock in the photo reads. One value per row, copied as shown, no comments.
2:23
